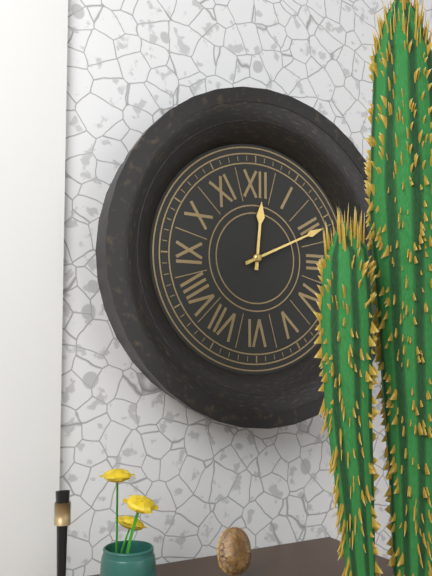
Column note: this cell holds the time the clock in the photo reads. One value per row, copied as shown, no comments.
12:11
